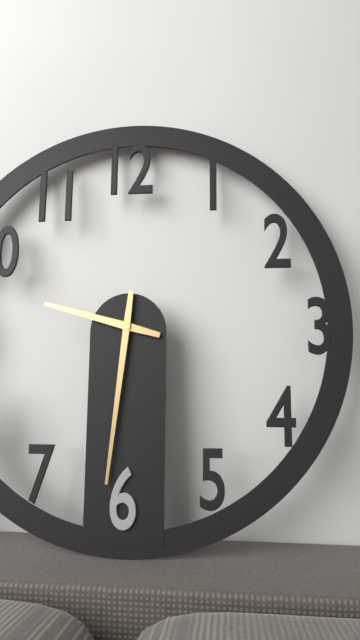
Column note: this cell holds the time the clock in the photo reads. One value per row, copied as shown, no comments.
9:31
